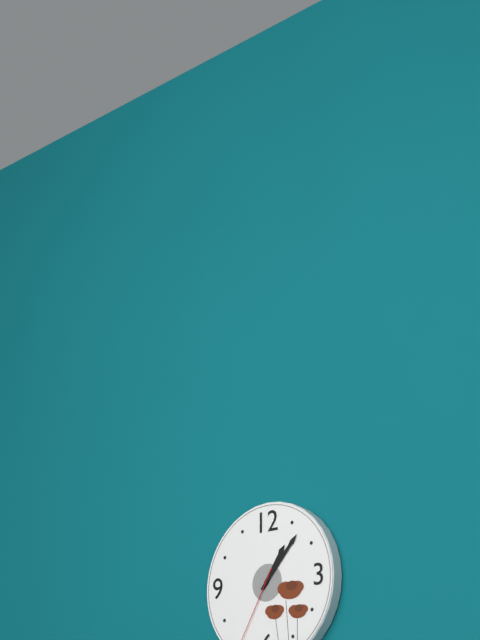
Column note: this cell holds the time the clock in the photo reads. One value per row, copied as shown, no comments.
1:07
